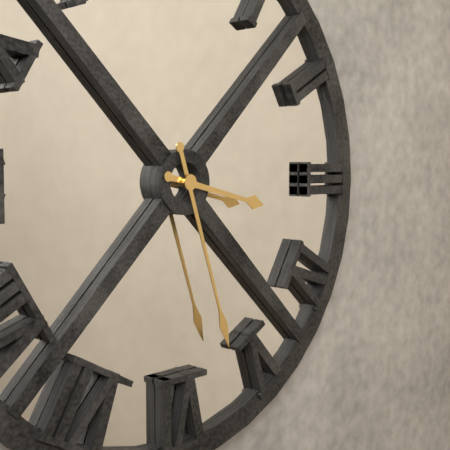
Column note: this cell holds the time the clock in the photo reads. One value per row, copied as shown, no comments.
3:27
